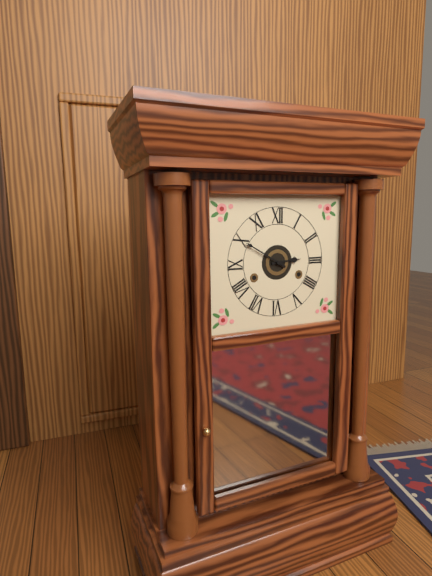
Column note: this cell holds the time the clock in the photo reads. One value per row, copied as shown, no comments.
2:50
